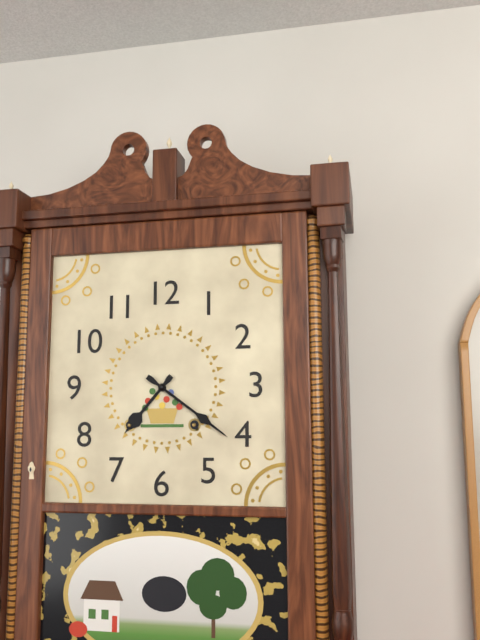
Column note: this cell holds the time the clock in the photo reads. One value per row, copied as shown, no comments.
7:21
